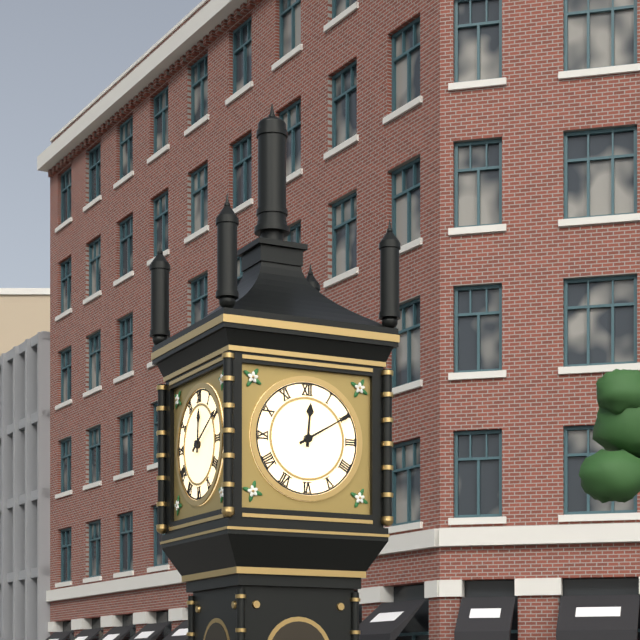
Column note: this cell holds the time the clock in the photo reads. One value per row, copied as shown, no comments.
12:10
